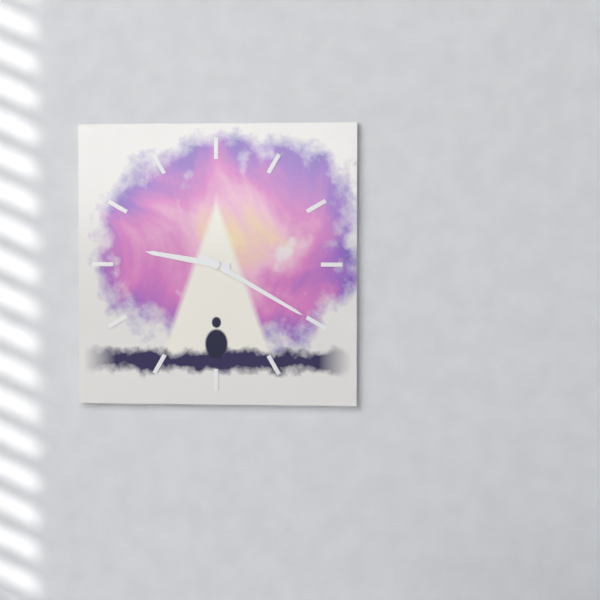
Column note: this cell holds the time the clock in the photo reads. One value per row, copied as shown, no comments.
9:20
